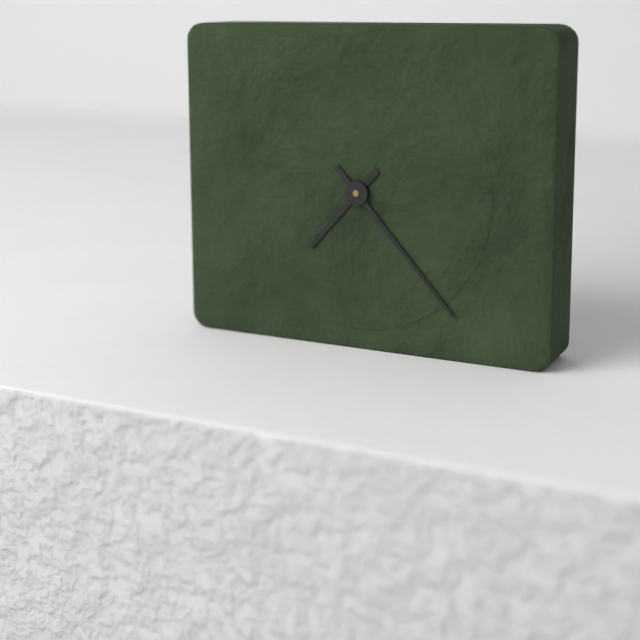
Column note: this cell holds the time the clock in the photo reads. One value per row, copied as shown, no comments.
7:23
